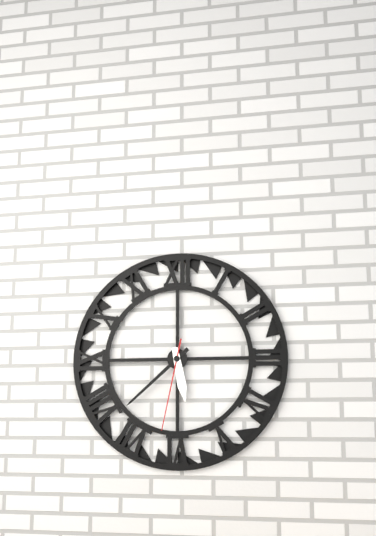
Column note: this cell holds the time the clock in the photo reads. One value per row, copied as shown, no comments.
5:38:32
